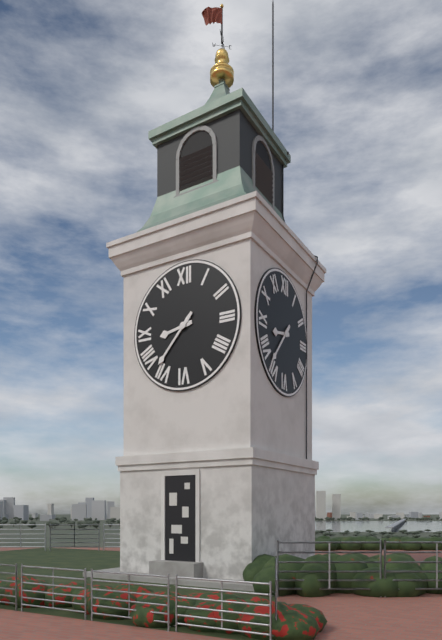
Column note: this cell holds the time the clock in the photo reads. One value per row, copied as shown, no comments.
8:37
